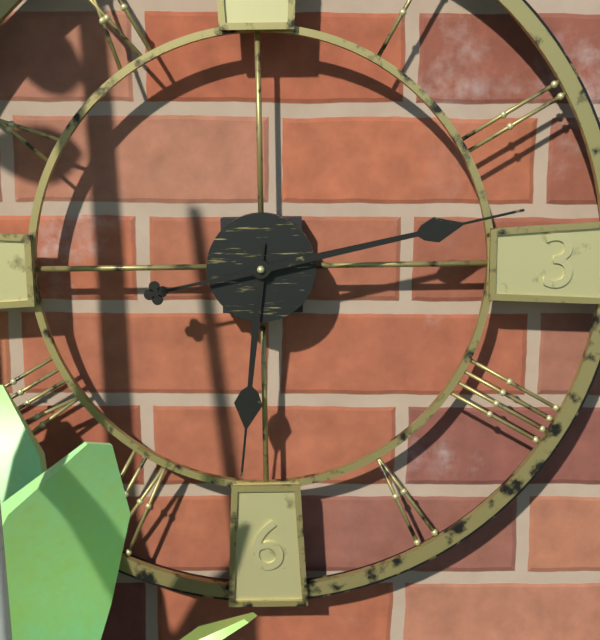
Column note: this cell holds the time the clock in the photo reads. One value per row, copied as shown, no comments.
6:13
